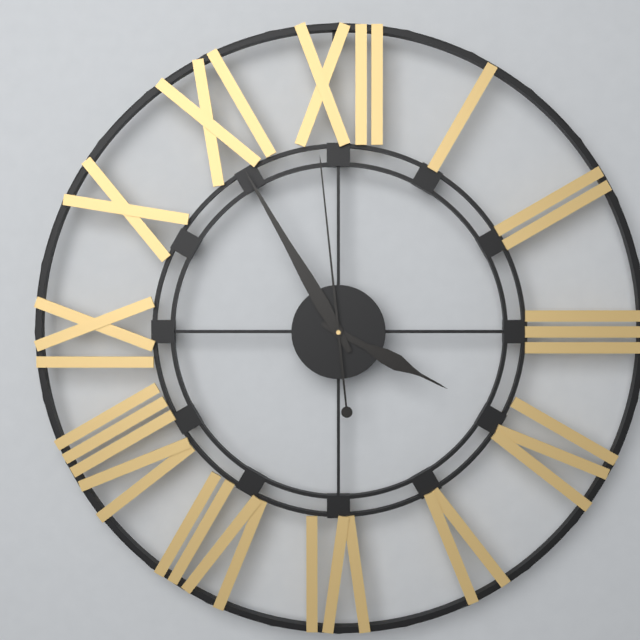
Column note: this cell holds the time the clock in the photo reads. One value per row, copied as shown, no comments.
3:55:59
